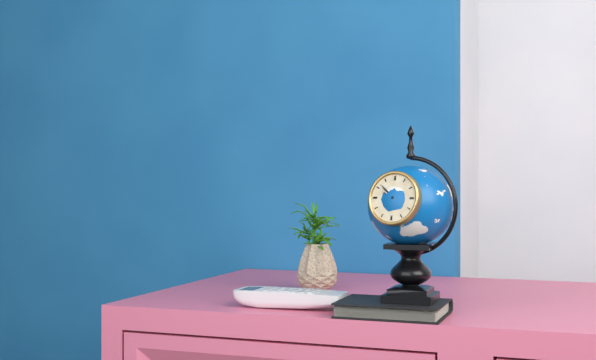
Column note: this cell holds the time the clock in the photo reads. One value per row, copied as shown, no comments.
9:52
